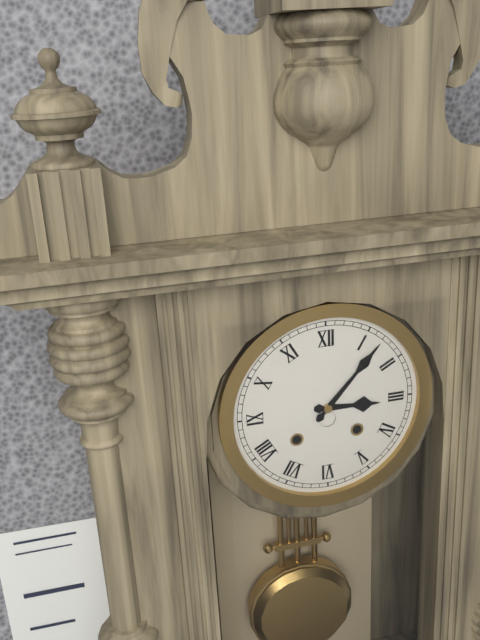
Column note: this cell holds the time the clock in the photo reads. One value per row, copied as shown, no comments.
3:07
